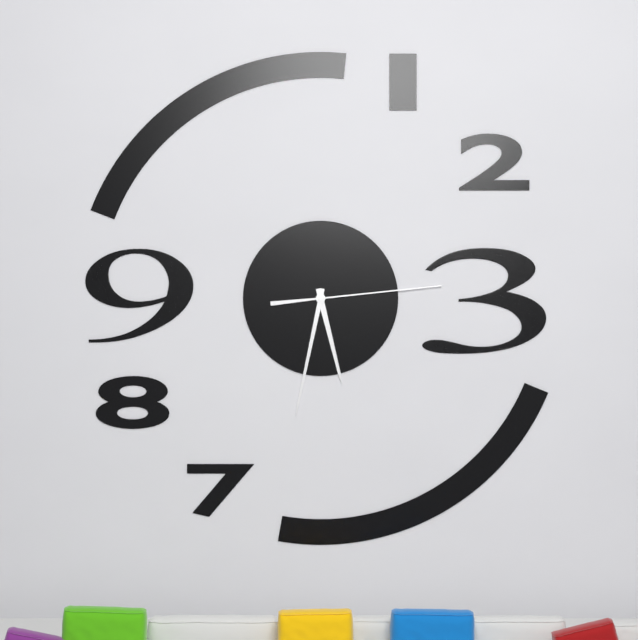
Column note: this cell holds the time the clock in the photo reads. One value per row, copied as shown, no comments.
5:32:14
